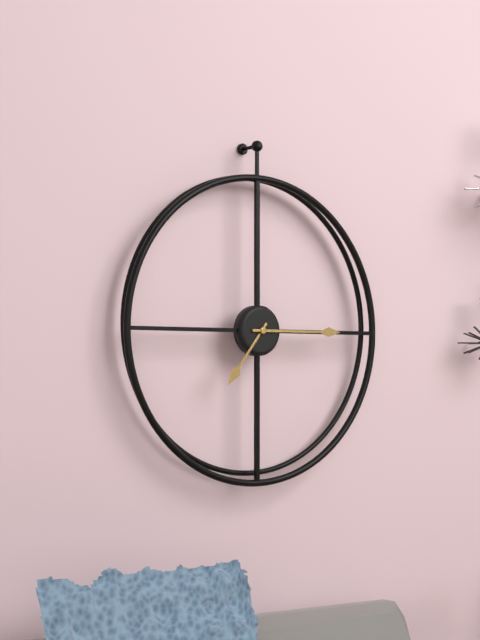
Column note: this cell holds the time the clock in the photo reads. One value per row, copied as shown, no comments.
7:15
